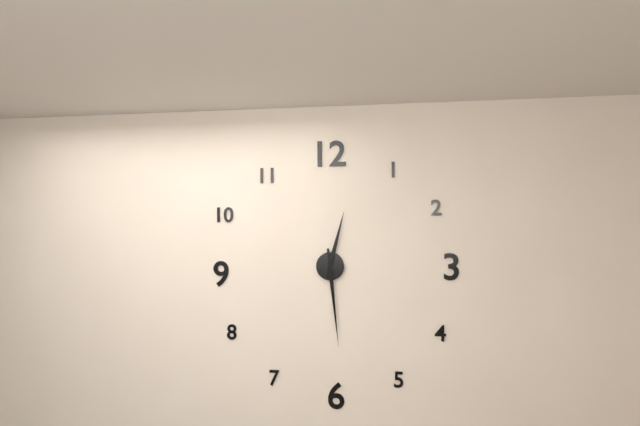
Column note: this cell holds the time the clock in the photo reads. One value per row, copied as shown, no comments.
12:29
